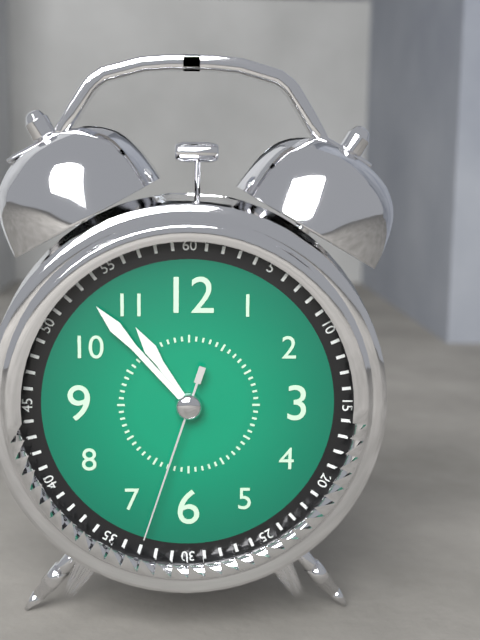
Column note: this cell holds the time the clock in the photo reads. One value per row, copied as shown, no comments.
10:53:33
